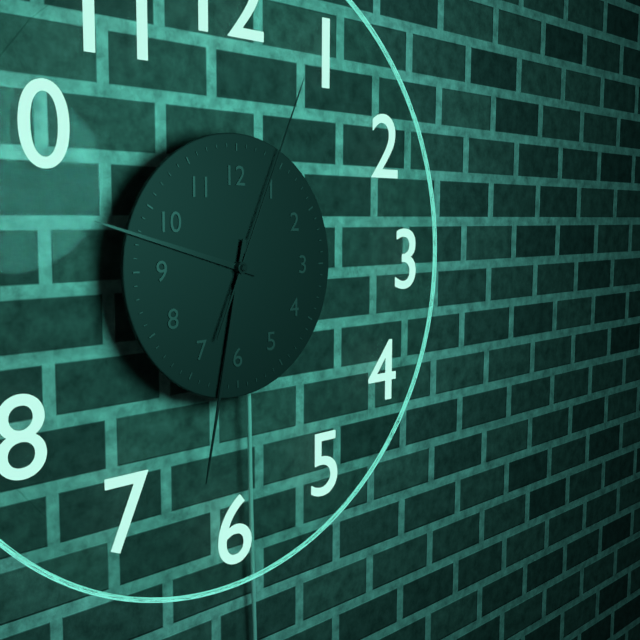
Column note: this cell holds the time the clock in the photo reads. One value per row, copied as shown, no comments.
9:32:04
